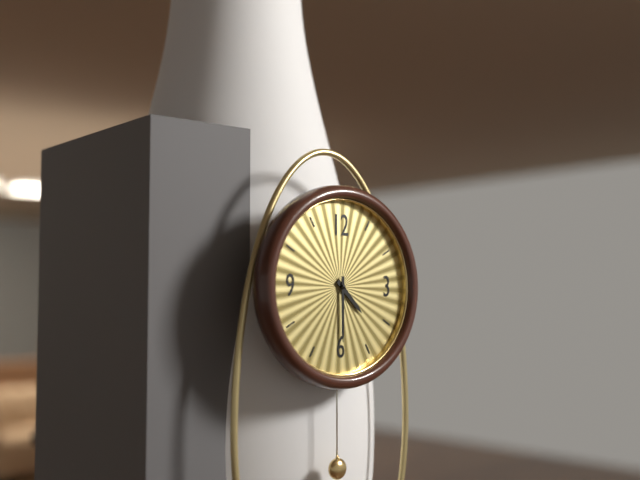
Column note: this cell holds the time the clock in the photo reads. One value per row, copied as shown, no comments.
4:30
